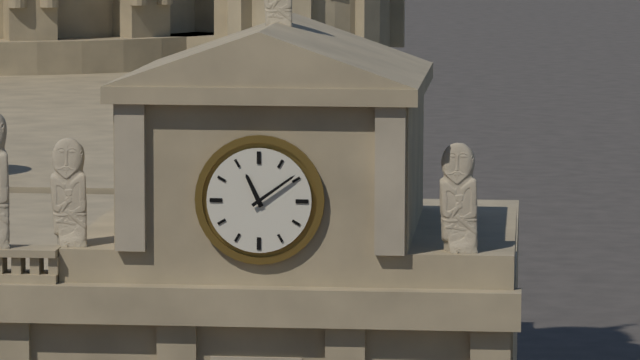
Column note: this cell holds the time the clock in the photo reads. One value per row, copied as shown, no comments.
11:09
